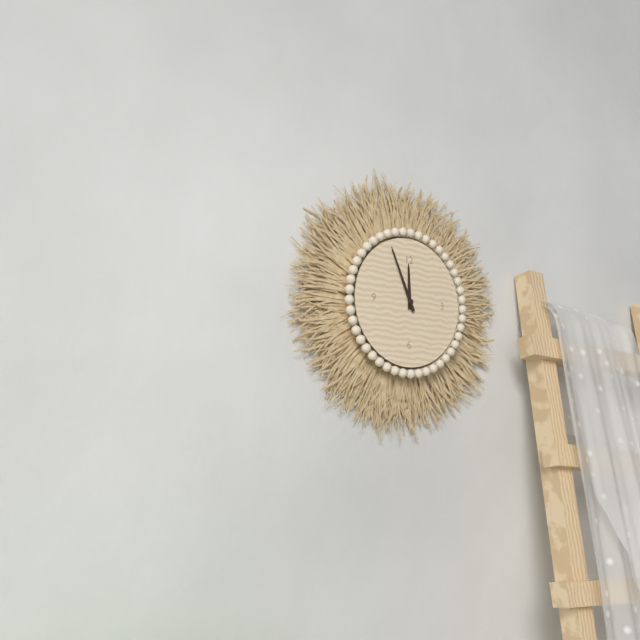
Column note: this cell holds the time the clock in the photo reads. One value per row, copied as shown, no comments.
11:56
